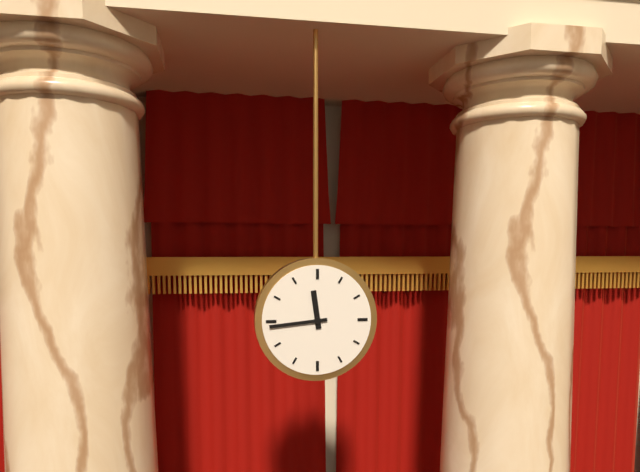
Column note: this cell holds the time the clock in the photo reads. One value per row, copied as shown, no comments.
11:44
